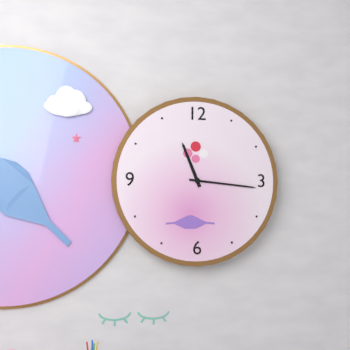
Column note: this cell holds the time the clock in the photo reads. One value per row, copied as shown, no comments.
11:16
